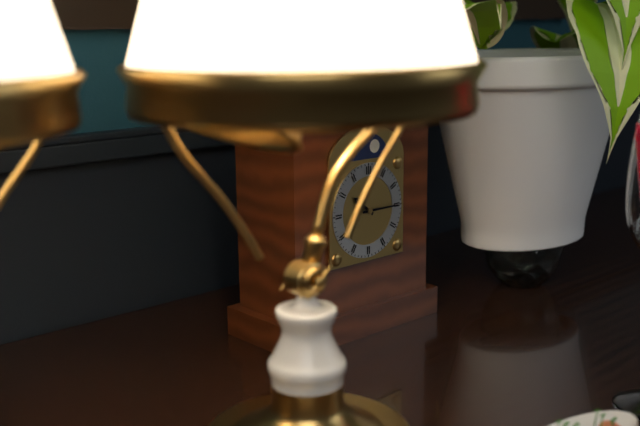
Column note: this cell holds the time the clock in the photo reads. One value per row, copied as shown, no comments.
10:15
